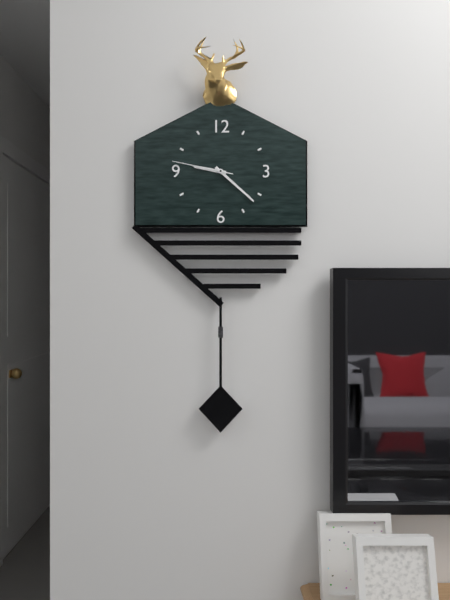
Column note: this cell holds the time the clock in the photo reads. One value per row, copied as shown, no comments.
9:22:47
